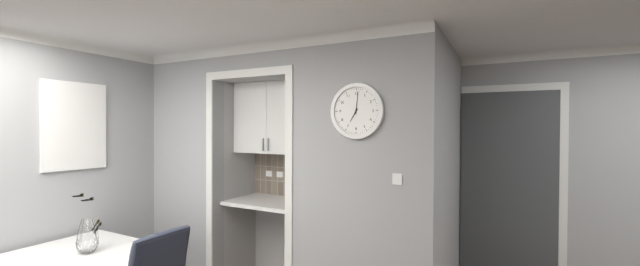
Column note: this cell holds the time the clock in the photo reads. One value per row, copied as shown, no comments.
7:01
